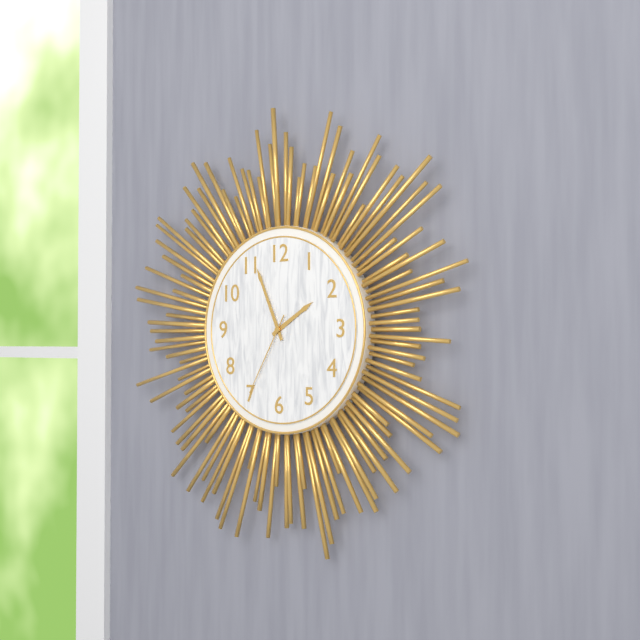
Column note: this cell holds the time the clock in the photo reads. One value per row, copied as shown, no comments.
1:56:35
